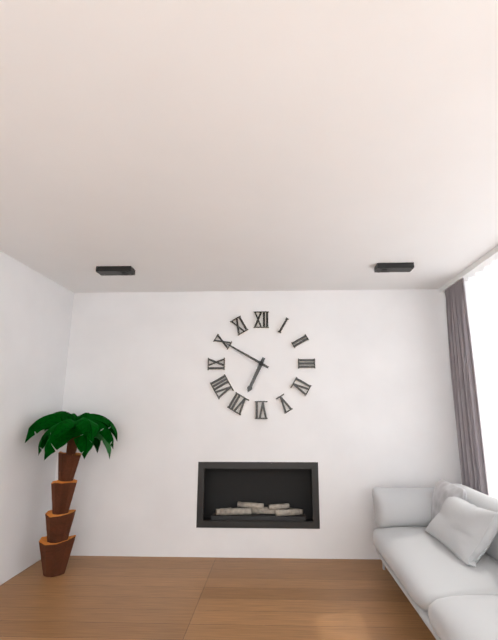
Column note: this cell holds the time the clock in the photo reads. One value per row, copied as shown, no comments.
6:50
